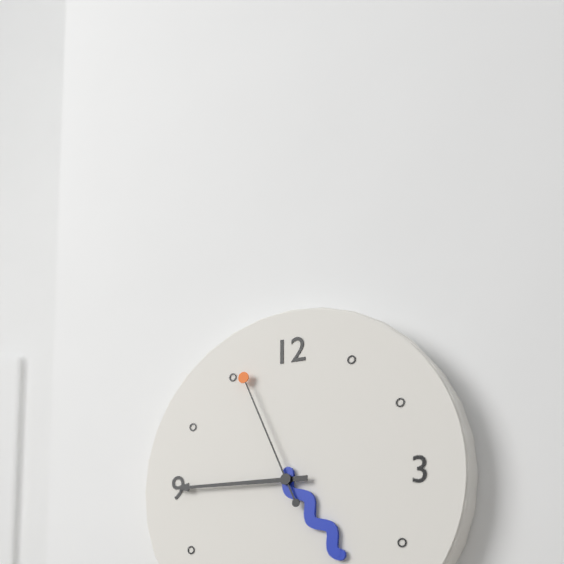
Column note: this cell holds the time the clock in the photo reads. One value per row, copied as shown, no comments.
4:45:56
